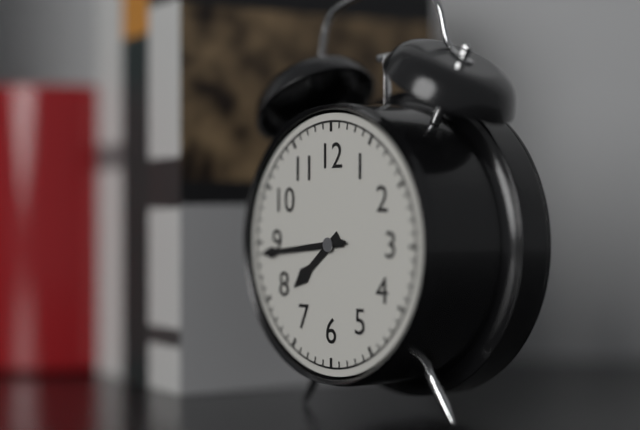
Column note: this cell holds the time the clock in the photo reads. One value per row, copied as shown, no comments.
7:44:44
